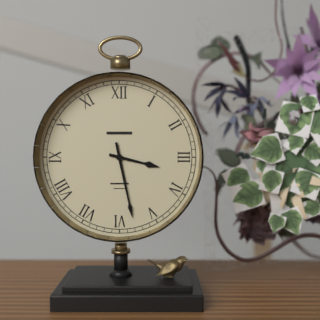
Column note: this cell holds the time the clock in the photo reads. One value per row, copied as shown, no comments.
3:28
